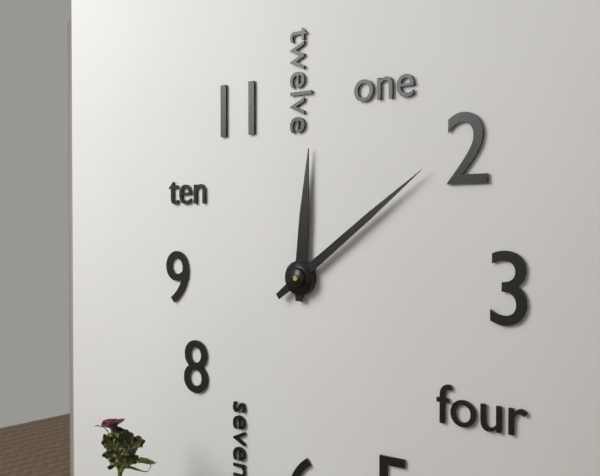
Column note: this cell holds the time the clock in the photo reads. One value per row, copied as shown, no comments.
12:09
